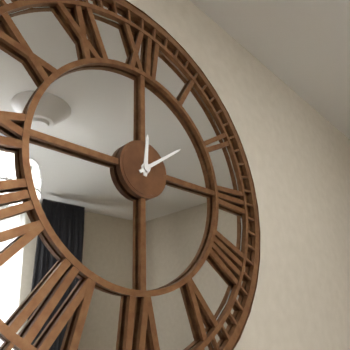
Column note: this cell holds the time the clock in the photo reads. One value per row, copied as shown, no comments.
12:09
